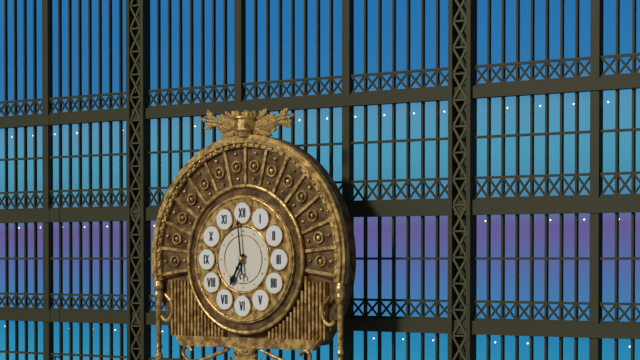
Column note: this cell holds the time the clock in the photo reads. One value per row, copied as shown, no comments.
6:59
